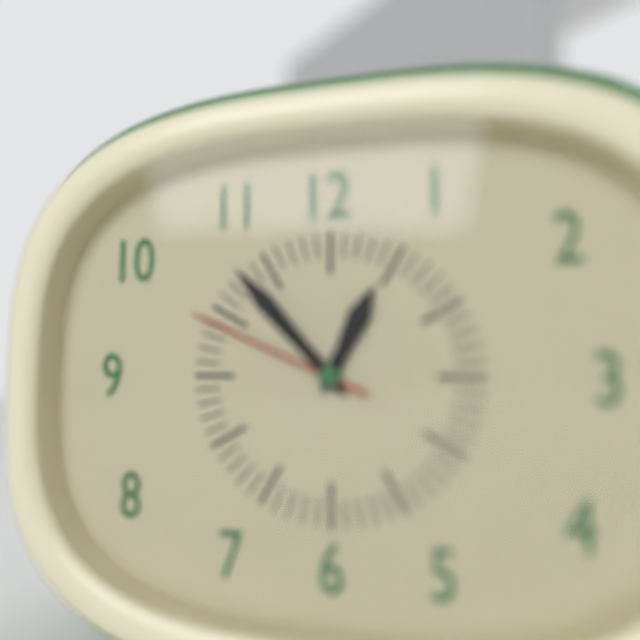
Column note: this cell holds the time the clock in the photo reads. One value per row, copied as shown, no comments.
12:53:49
